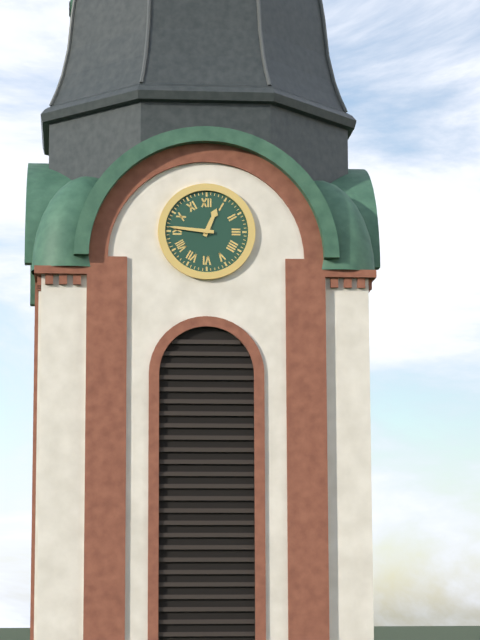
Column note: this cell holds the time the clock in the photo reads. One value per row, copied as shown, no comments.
12:46
